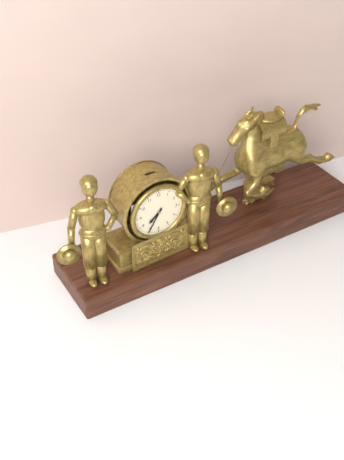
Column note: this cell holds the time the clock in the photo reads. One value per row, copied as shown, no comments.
7:35
